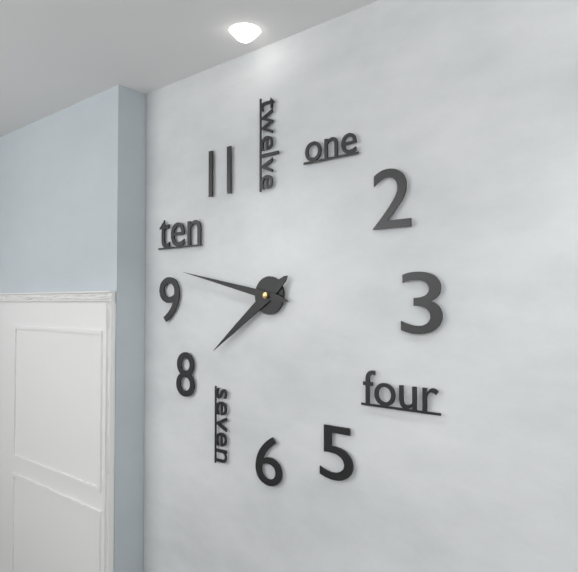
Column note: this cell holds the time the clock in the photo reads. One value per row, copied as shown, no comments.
7:47
